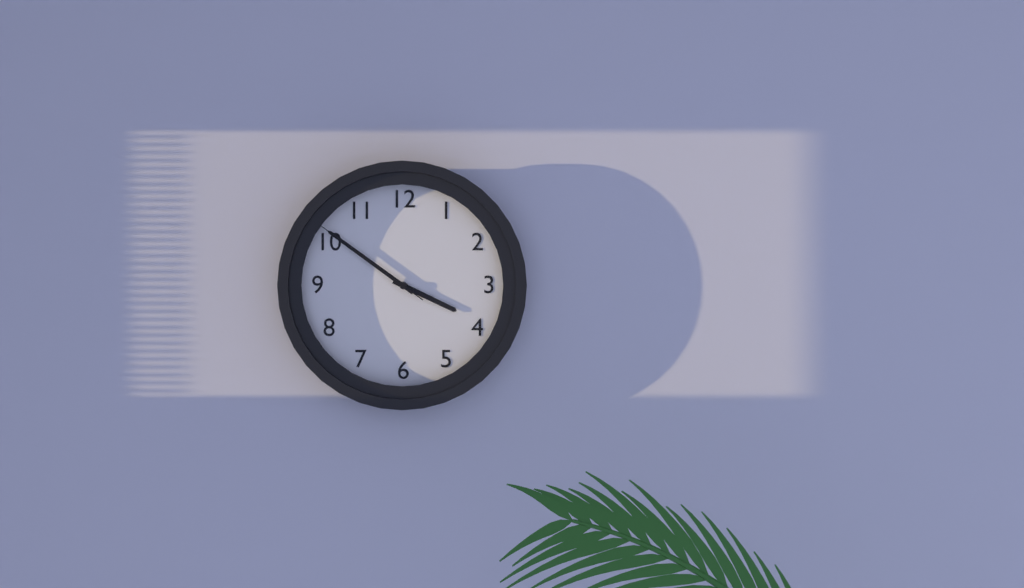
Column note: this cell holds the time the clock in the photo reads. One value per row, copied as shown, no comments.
3:51:51
